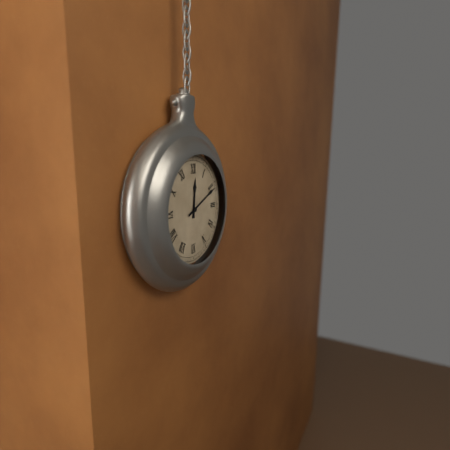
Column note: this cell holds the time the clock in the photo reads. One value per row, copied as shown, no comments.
12:11
